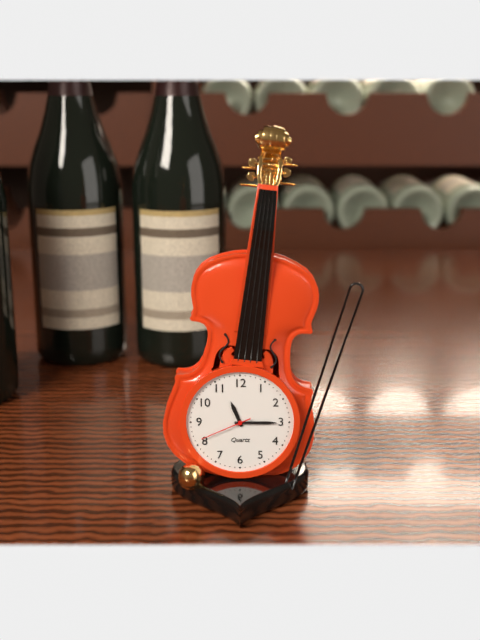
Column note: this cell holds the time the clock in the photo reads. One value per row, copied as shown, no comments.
11:15:41
